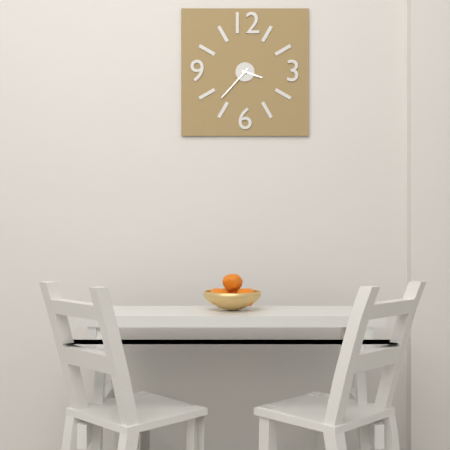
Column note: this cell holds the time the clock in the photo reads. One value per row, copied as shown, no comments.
3:37
